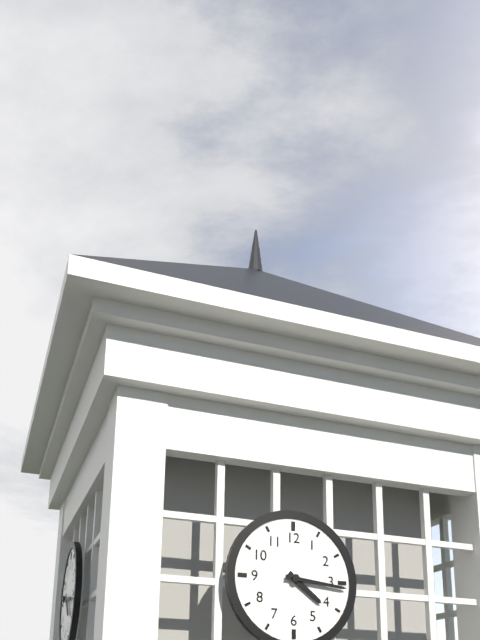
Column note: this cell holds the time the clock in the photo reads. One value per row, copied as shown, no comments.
4:16
